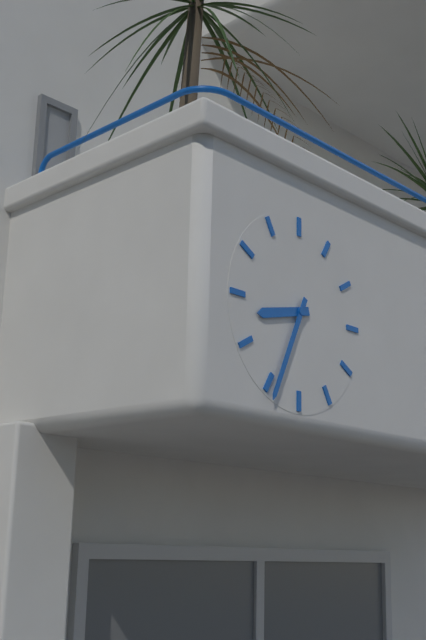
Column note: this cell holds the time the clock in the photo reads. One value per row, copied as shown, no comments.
8:34
